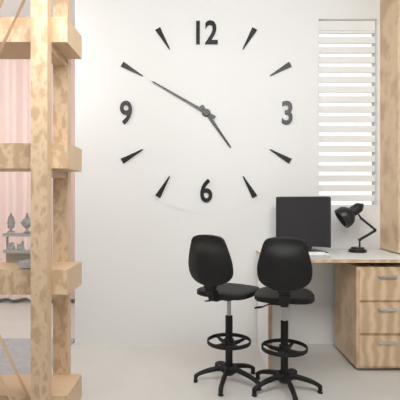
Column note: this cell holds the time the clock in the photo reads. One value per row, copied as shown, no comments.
4:50
